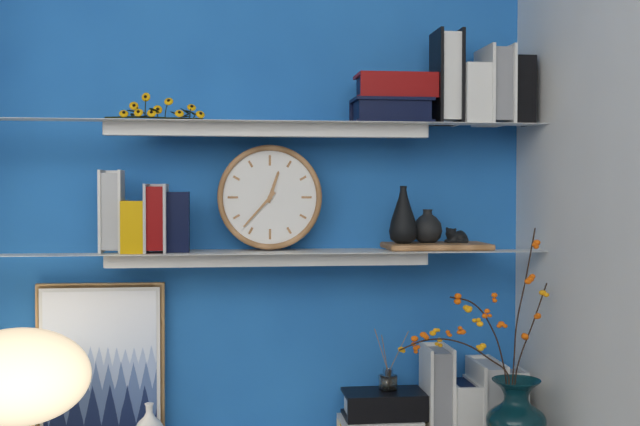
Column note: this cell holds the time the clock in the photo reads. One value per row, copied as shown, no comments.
12:37
